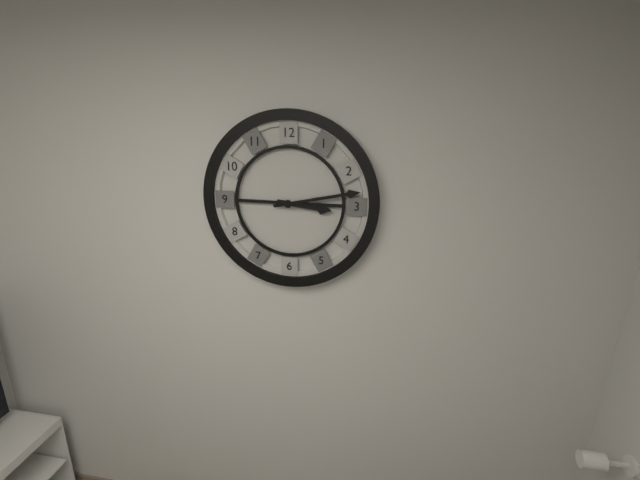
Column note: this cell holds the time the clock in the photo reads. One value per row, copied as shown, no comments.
3:13
